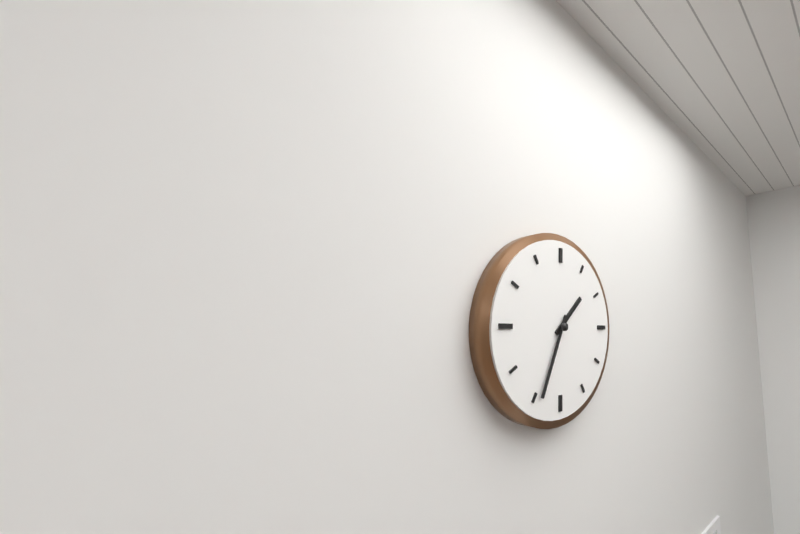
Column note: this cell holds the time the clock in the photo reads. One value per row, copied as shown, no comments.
1:34
